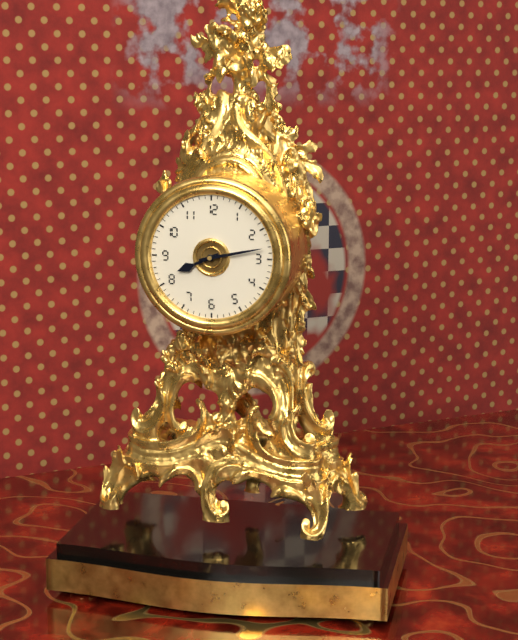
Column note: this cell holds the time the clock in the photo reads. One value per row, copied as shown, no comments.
8:13
